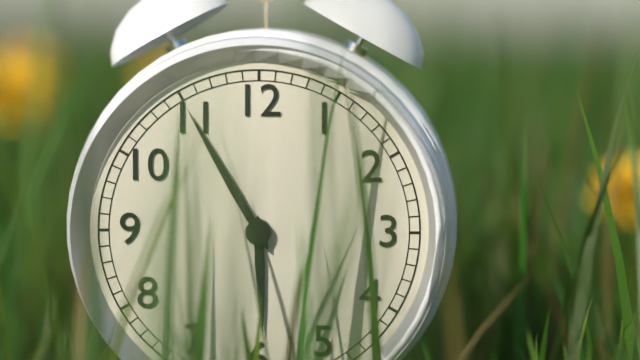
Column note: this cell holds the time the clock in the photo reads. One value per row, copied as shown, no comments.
5:55
